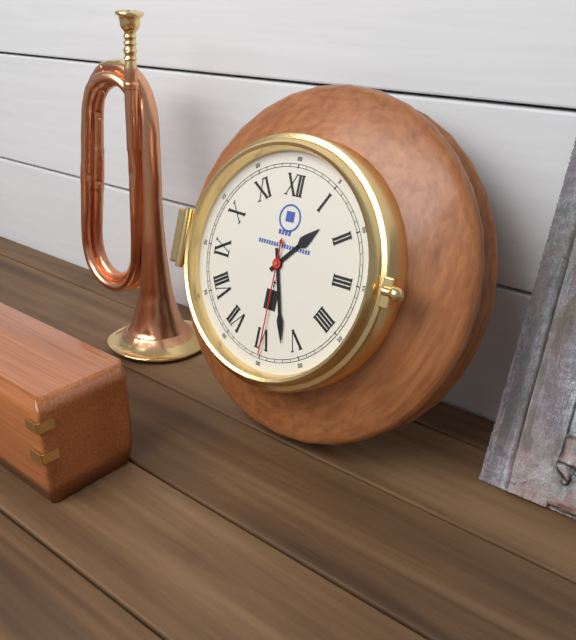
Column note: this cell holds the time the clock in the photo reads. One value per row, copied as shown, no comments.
1:27:30
